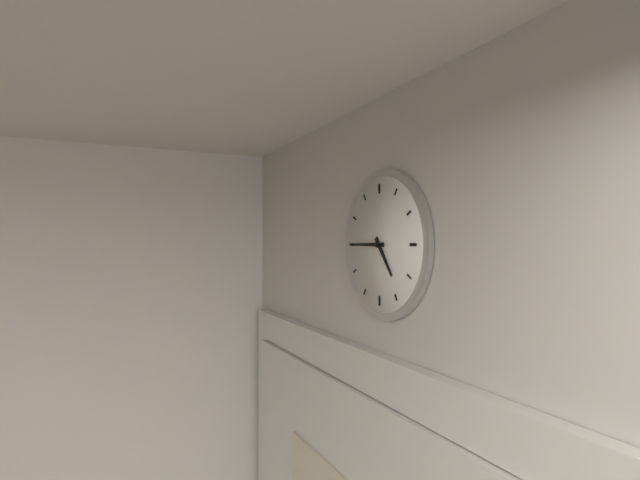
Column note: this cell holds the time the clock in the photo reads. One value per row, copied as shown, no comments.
4:45
